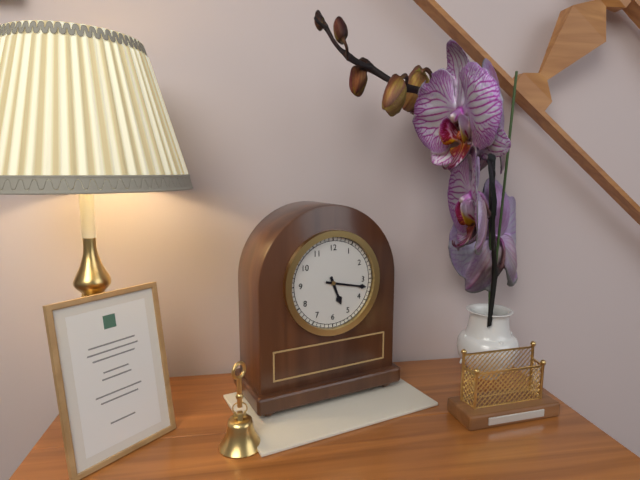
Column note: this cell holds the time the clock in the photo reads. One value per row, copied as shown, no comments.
5:17
